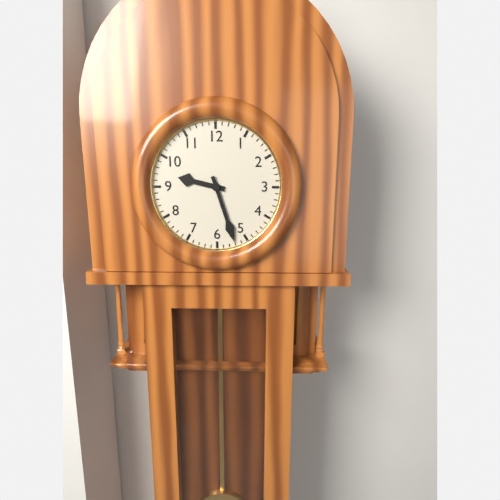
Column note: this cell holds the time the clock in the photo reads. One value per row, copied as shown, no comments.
9:27
